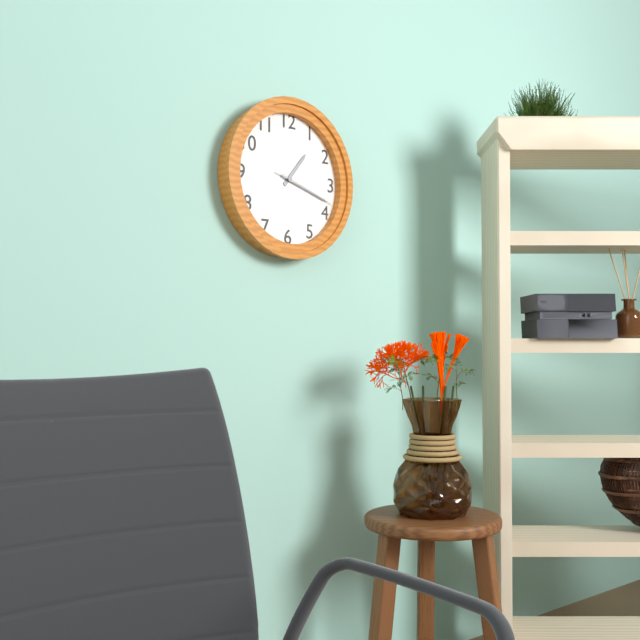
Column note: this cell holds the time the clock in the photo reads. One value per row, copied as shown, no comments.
1:18:18
